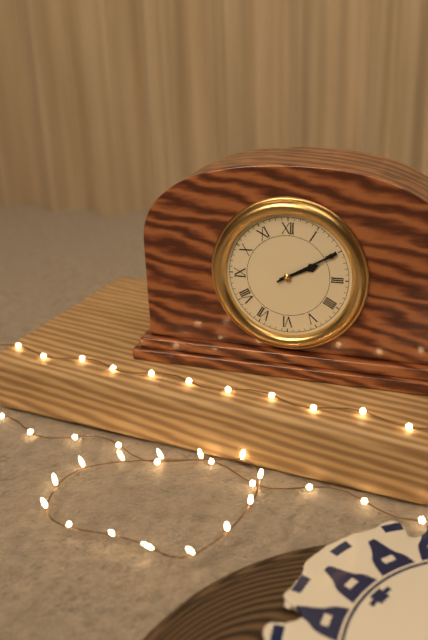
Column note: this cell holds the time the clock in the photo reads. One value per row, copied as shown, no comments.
2:10
